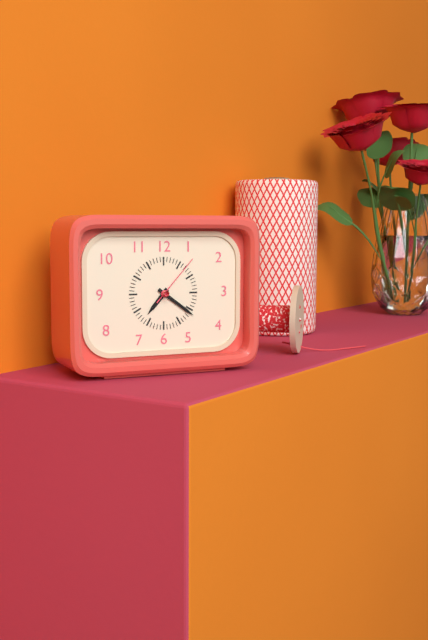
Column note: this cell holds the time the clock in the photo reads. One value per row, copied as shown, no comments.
7:21:07
